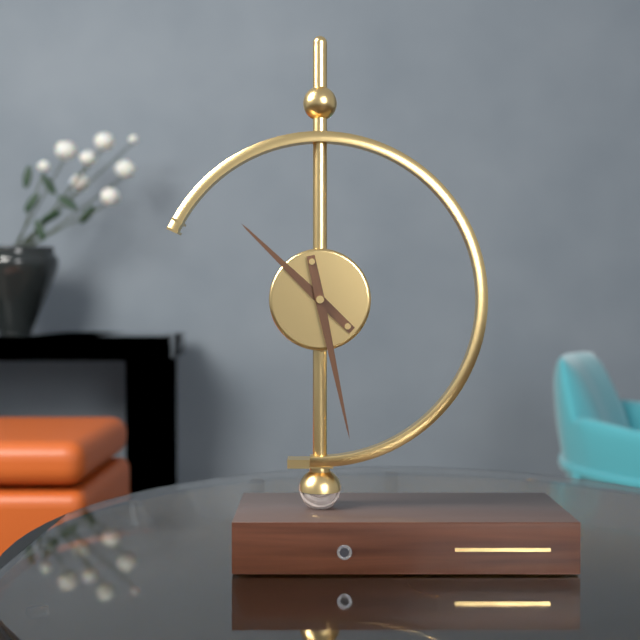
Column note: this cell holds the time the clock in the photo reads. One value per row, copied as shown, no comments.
10:28
